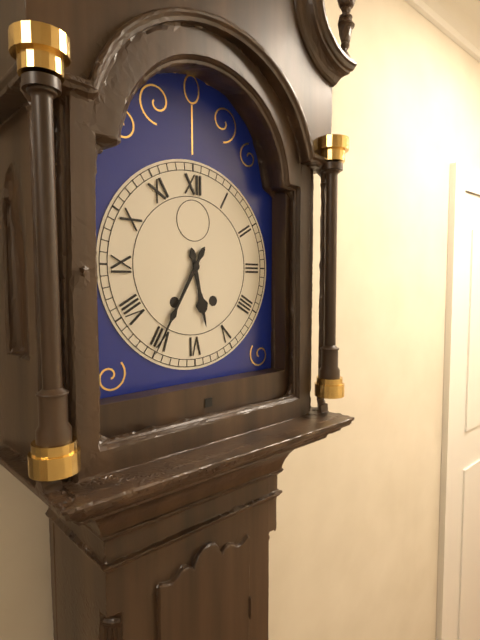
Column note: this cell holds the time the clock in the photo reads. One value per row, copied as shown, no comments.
5:35
